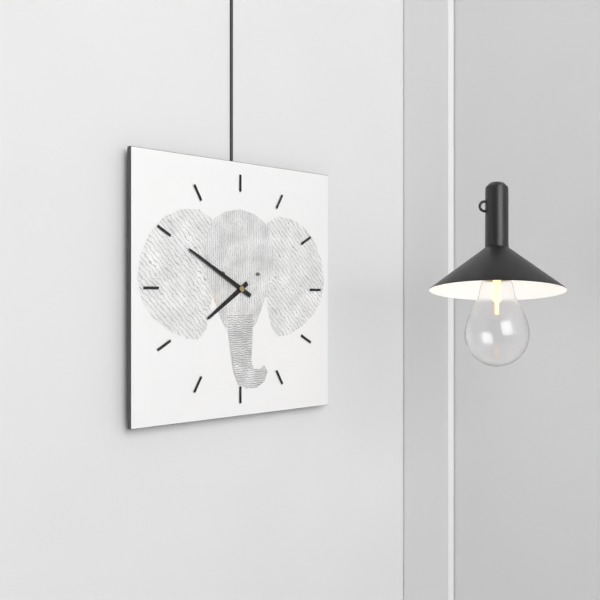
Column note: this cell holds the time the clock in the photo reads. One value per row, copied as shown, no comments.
7:50
